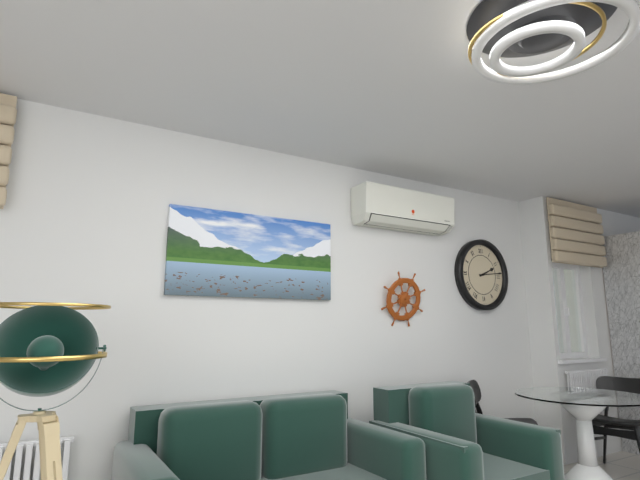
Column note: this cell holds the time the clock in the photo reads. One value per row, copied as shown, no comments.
2:14
